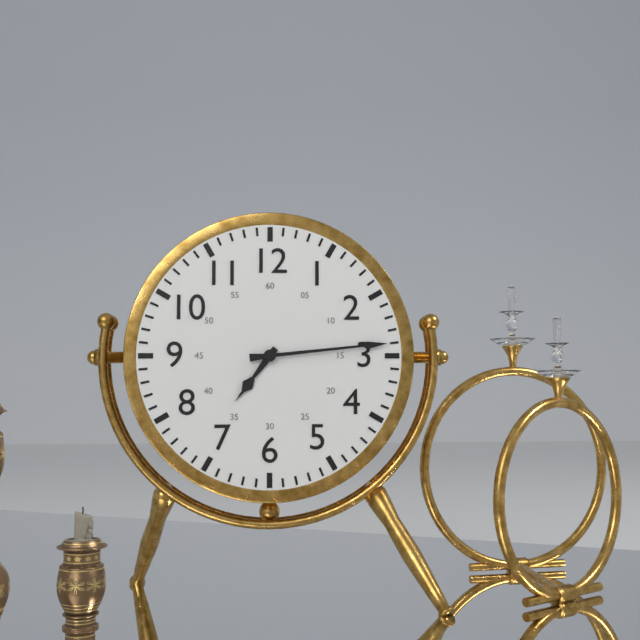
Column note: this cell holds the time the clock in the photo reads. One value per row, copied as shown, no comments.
7:14
